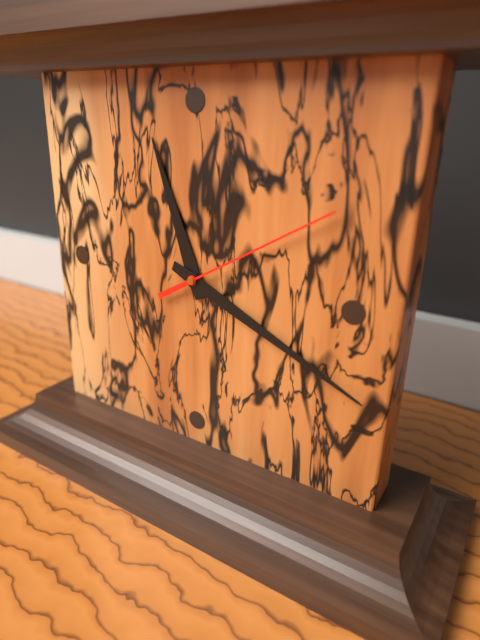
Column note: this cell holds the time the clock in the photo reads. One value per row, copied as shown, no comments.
11:19:10
